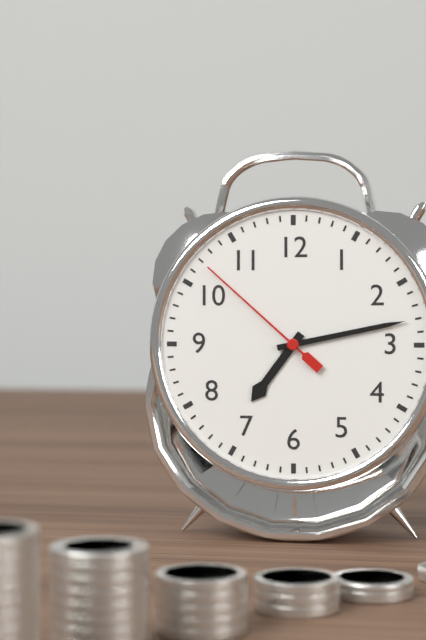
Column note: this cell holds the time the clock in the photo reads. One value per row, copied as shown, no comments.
7:13:52
